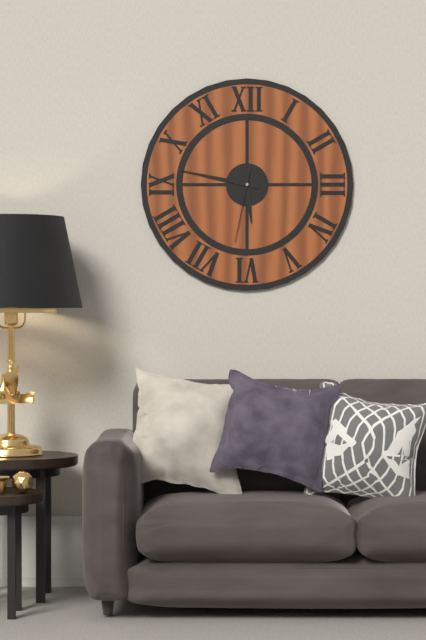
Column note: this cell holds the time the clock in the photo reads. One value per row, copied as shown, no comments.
5:47:32
